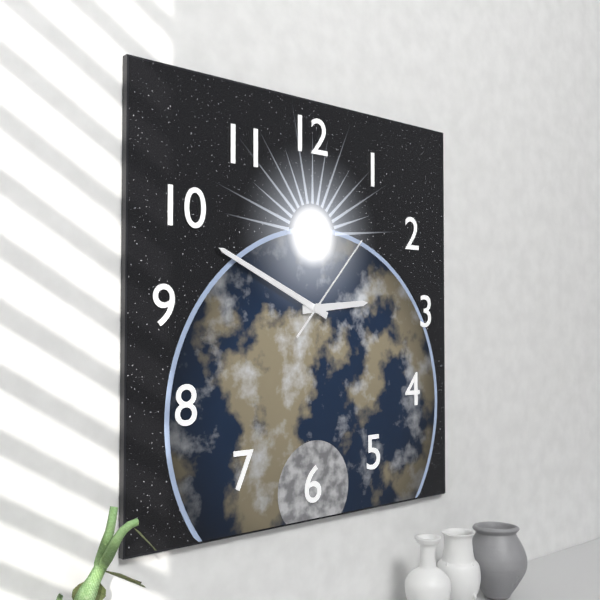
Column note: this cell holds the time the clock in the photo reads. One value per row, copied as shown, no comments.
2:49:07
